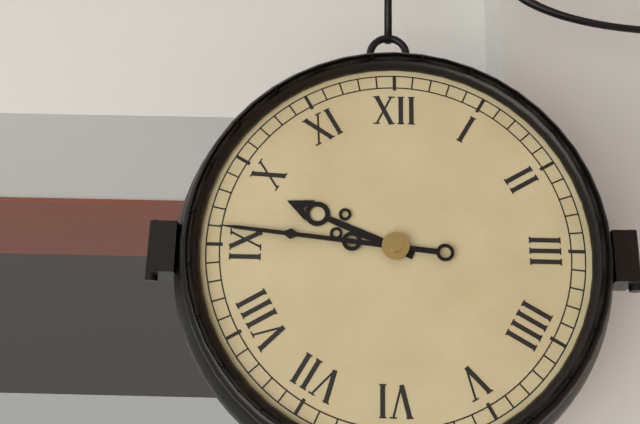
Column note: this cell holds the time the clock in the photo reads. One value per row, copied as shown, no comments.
9:46
